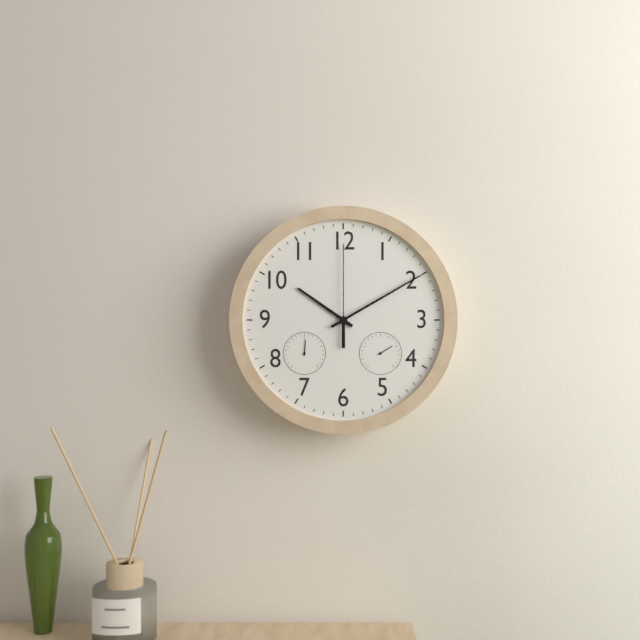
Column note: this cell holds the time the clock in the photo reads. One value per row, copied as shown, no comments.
10:10:00
